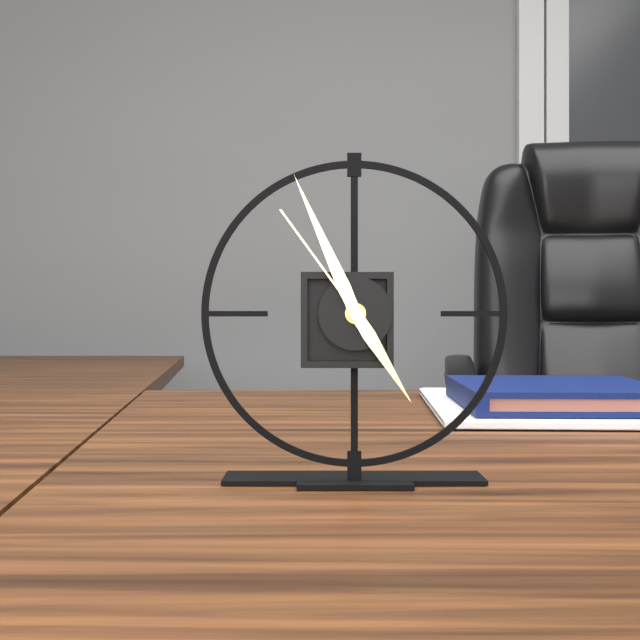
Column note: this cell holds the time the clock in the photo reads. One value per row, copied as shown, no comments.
4:56:54
